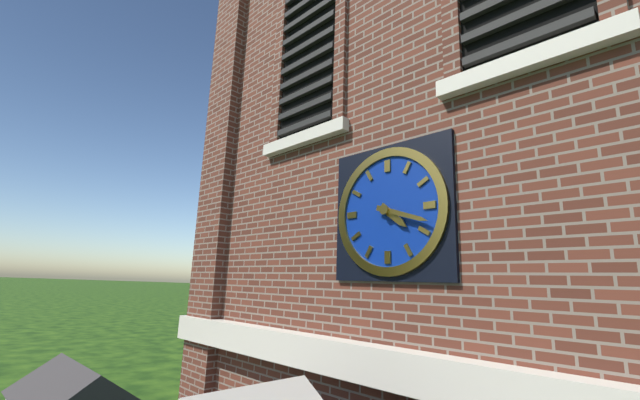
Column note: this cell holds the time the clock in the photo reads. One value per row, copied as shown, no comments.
4:18
